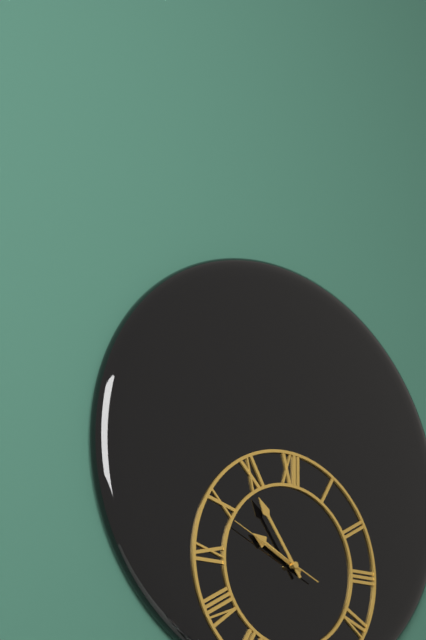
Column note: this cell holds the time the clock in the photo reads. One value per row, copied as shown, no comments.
9:54:49
